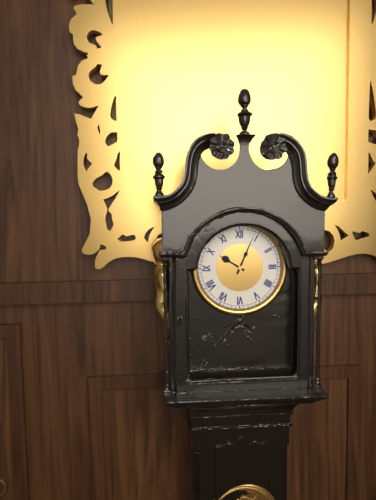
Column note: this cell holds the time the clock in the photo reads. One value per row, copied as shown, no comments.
10:04
